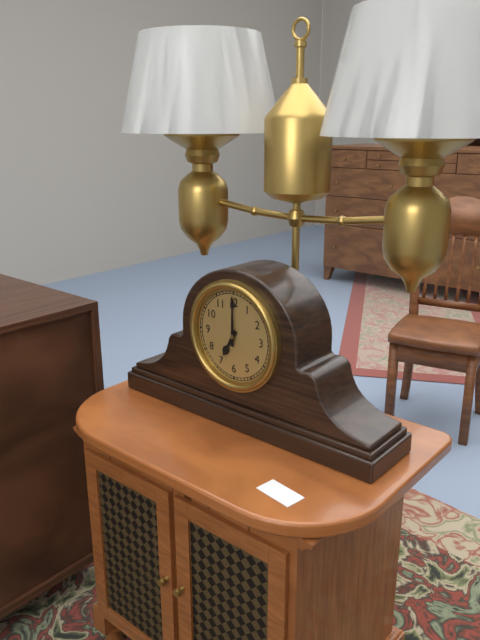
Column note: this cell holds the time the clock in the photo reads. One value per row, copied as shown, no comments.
7:00
